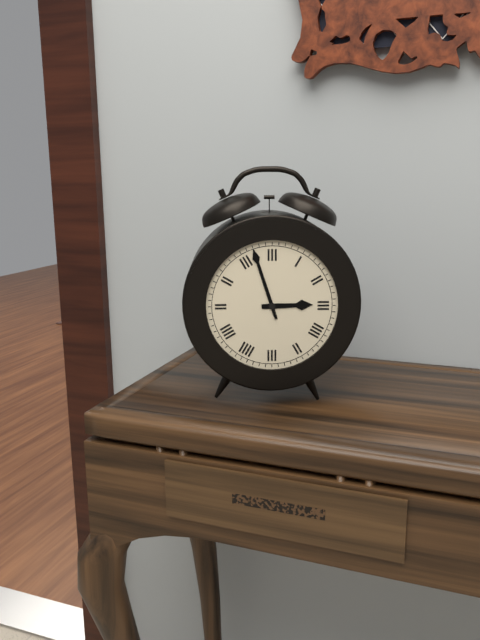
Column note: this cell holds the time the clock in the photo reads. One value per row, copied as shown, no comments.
2:57
